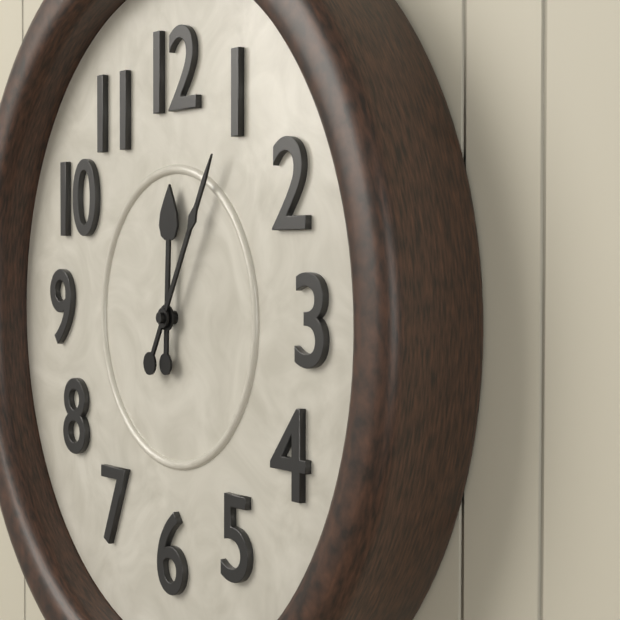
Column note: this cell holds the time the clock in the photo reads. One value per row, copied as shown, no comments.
12:05
